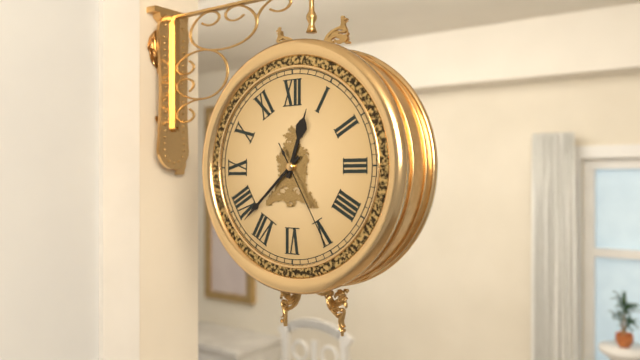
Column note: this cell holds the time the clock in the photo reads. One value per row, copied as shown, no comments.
12:38:25
